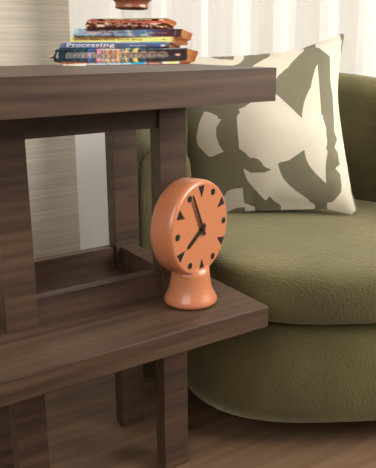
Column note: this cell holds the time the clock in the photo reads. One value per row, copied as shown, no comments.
7:56
